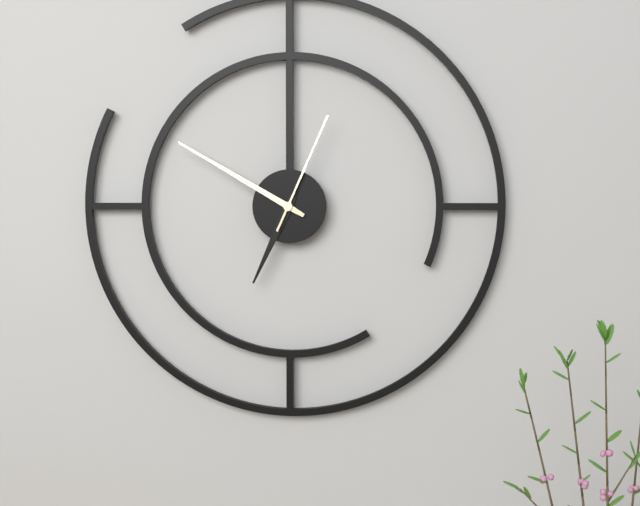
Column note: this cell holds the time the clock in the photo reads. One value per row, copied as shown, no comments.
6:50:04
